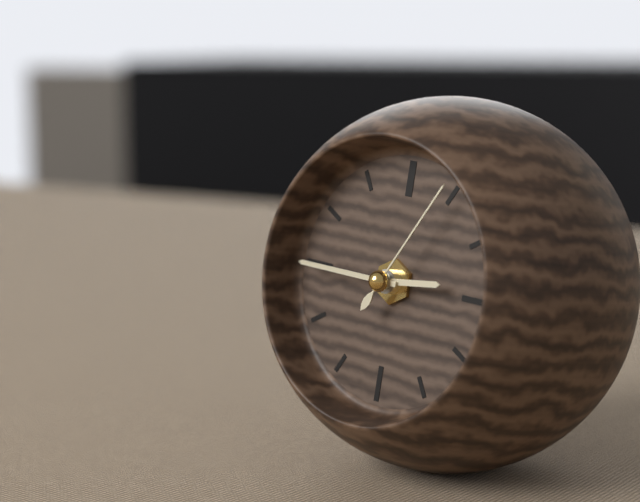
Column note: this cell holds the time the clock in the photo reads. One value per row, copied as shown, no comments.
2:45:05
